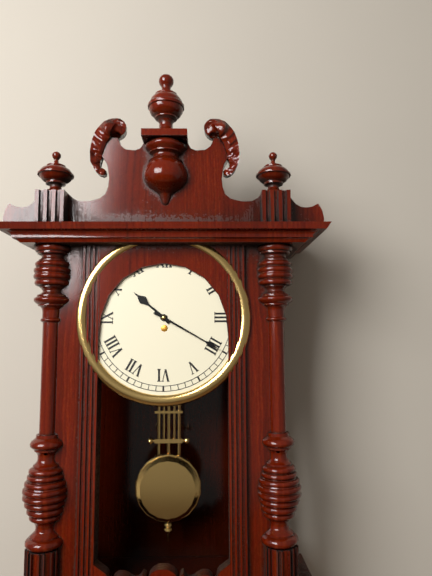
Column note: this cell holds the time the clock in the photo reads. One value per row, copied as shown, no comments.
10:20
